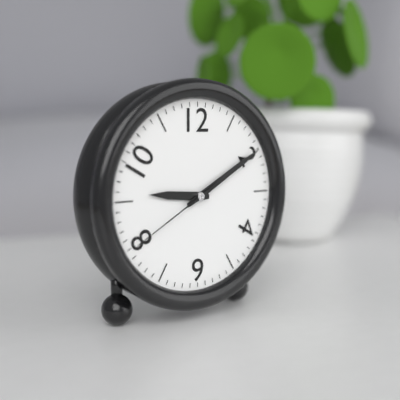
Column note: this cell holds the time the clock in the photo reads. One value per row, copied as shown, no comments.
9:10:40
